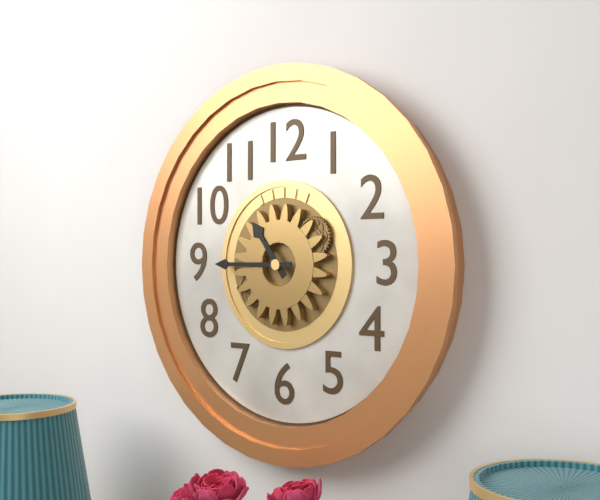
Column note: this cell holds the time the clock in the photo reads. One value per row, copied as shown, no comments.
10:45
